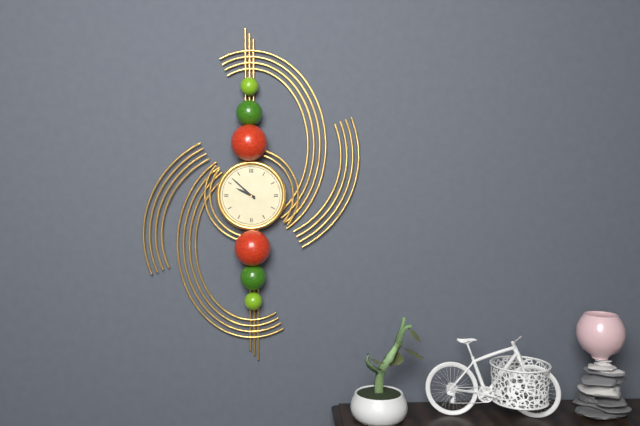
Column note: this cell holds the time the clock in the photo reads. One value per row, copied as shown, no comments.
9:52
